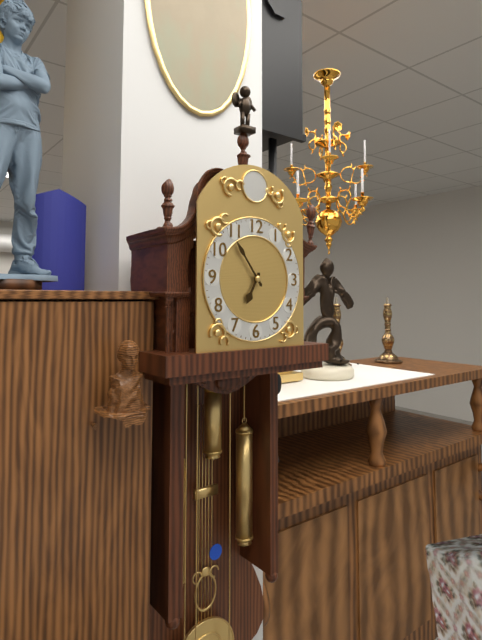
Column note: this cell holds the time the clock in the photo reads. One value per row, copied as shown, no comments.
6:54
